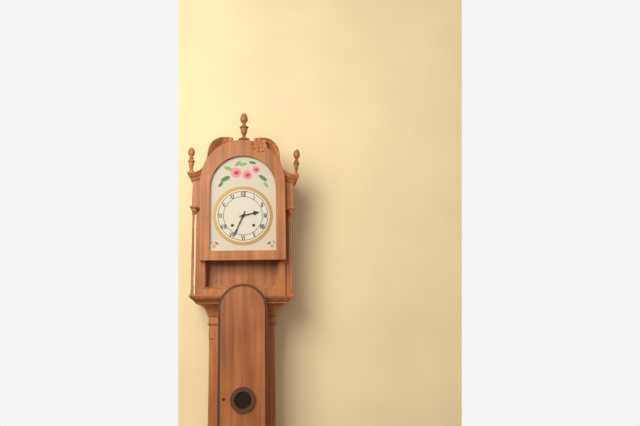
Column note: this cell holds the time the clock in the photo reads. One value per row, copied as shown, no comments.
2:34
